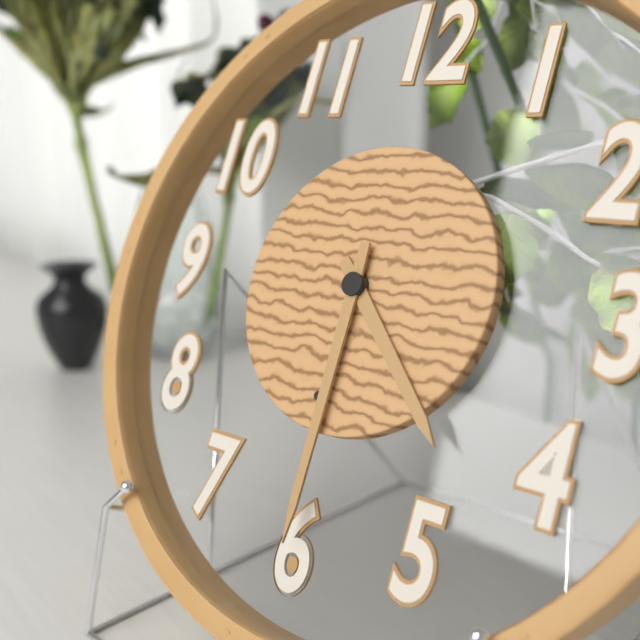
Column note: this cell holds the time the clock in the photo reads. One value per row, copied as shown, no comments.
4:30
